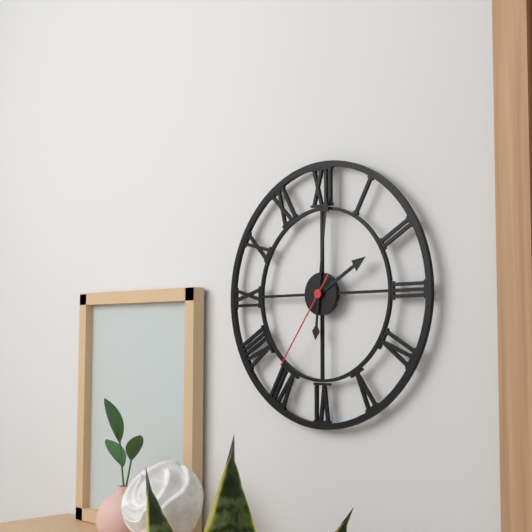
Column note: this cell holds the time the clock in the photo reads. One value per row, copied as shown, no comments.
2:01:36
